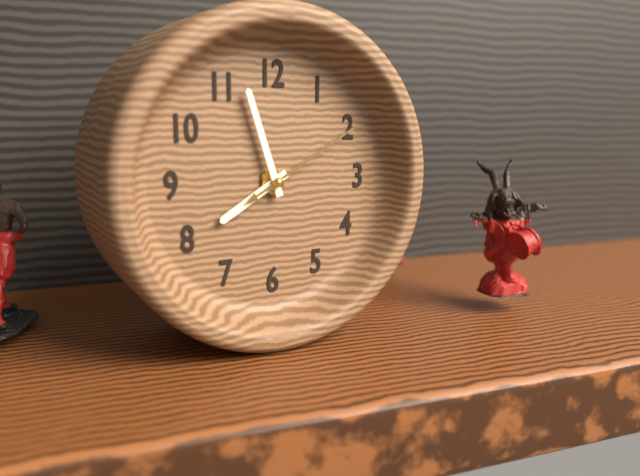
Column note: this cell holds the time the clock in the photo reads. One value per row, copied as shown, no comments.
7:57:10
